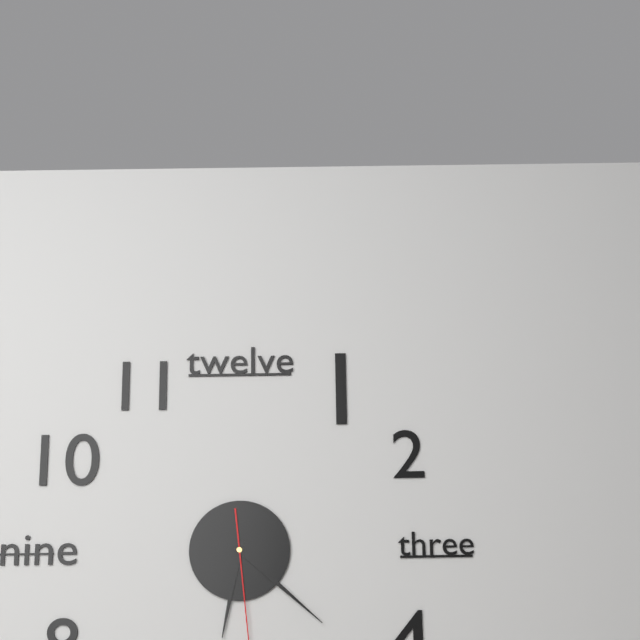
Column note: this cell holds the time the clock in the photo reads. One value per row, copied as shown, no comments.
6:22
